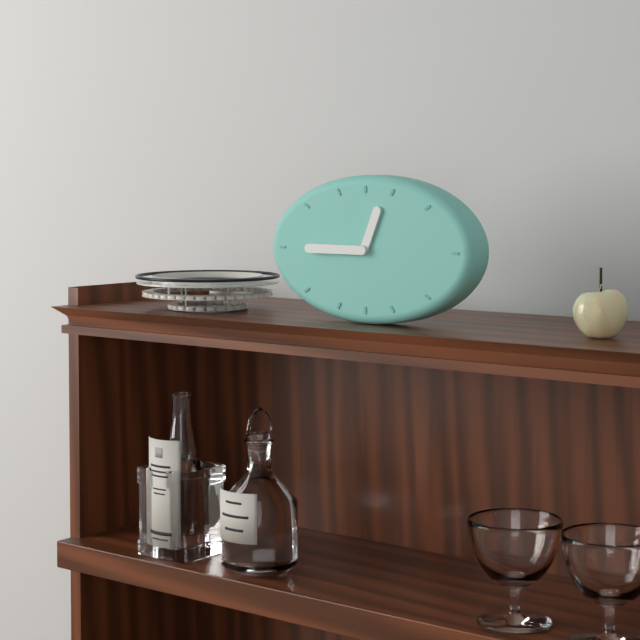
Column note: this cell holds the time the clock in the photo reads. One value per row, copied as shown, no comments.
12:45
